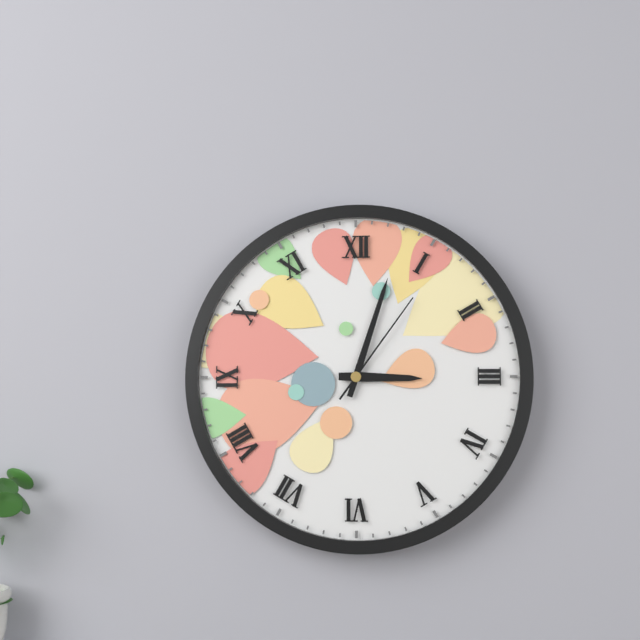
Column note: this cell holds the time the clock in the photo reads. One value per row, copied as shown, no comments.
3:03:06
